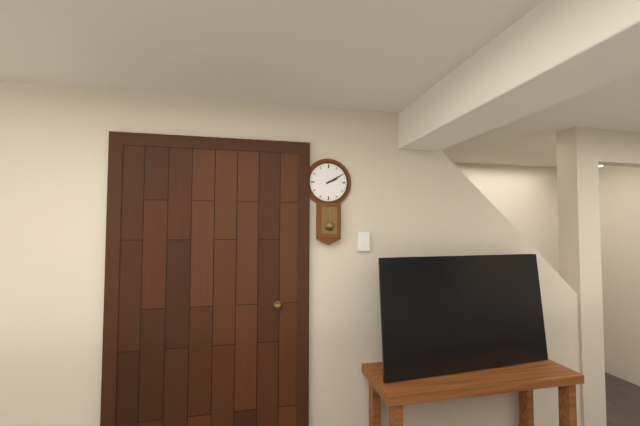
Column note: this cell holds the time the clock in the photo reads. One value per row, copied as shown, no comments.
2:10
